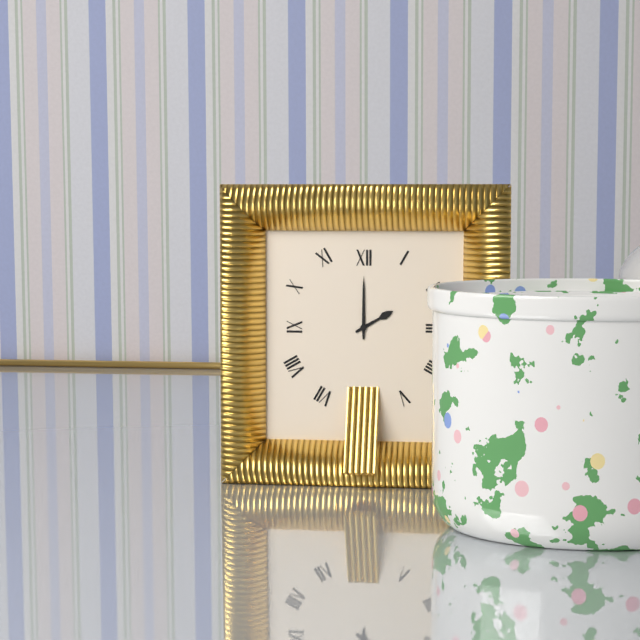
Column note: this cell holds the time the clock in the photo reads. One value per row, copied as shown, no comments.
2:00
